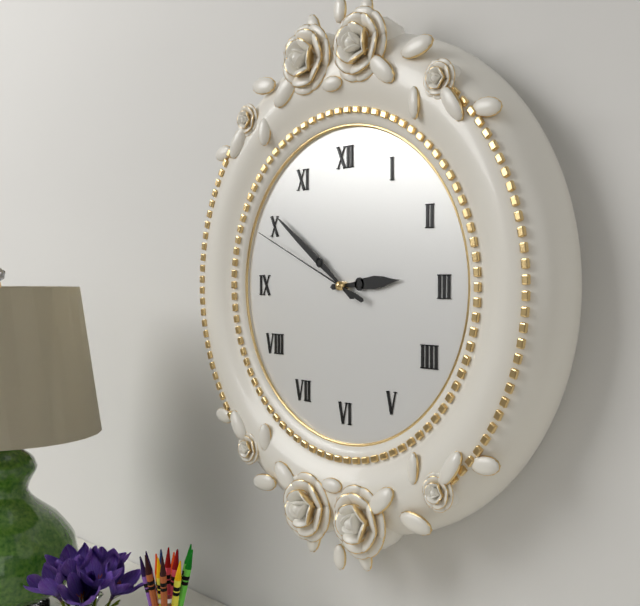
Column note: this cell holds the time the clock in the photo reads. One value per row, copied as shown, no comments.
2:51:49
